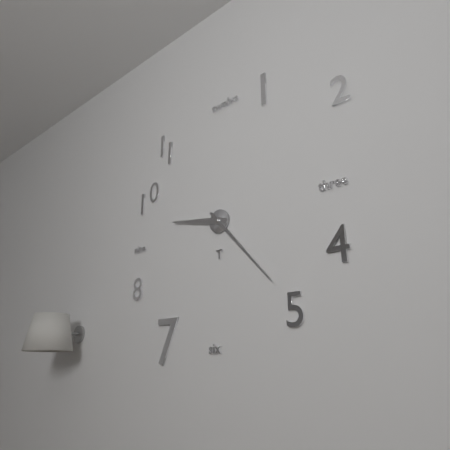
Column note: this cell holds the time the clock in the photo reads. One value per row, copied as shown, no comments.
9:23
